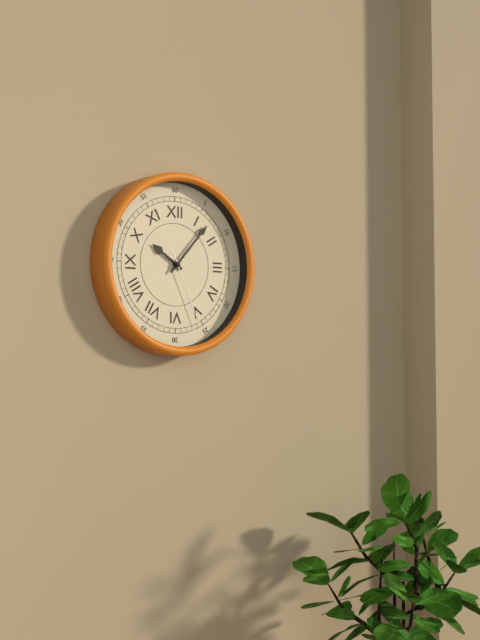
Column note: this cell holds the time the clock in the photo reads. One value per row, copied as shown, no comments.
10:07:26
